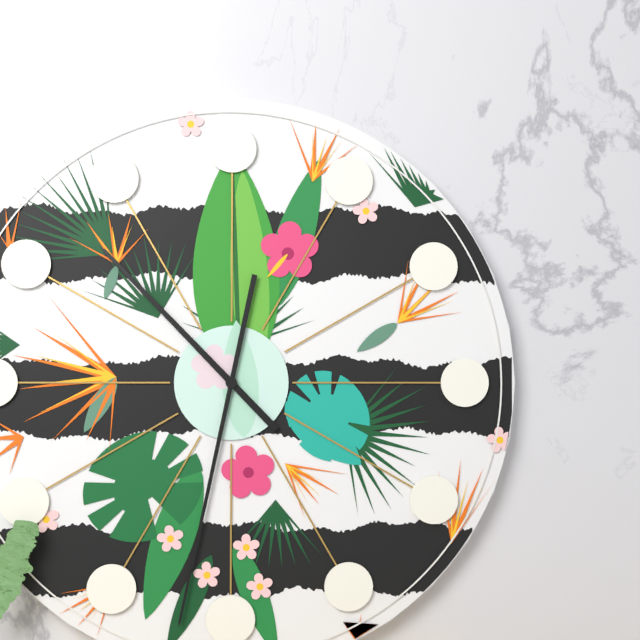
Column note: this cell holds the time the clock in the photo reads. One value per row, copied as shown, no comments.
10:32
